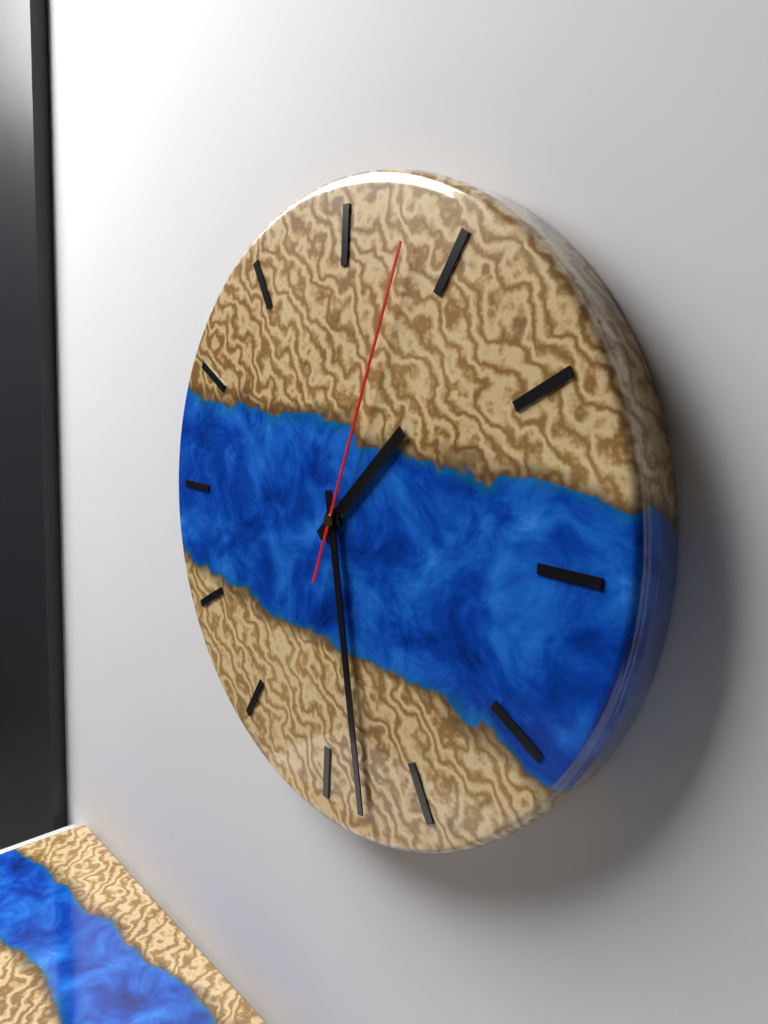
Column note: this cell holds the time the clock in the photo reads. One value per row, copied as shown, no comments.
1:28:03
